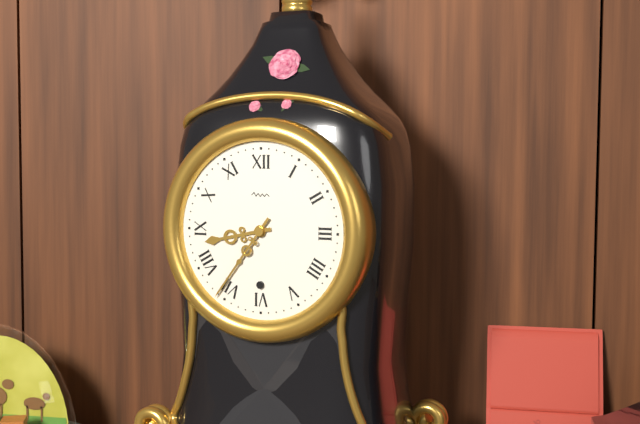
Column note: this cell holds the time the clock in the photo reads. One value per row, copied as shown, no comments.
8:36
